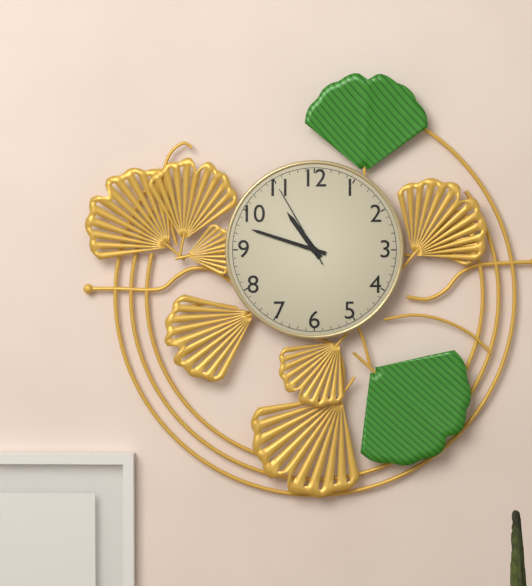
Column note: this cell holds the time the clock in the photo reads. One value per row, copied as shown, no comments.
10:48:55
